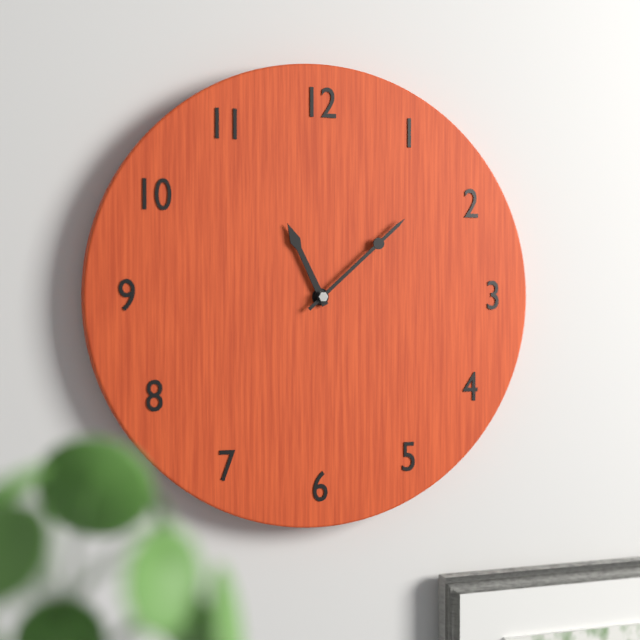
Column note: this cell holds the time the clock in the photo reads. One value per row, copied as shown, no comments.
11:08
